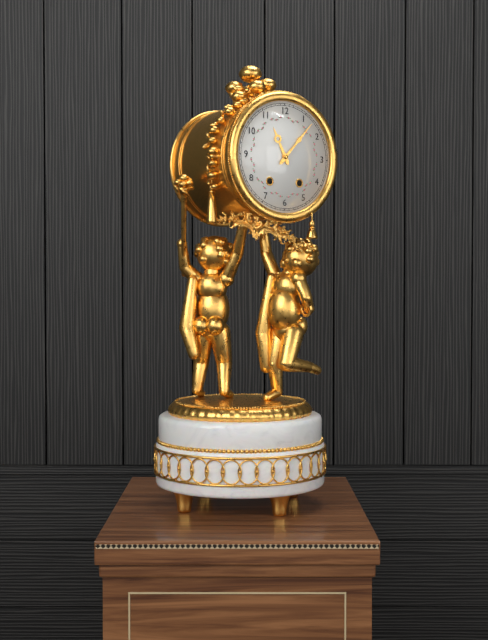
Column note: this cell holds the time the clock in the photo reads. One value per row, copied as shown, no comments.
11:07
